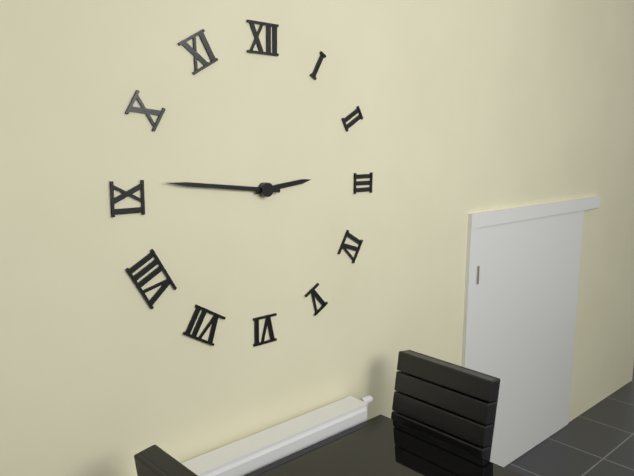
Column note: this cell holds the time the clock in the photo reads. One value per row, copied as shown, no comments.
2:46
